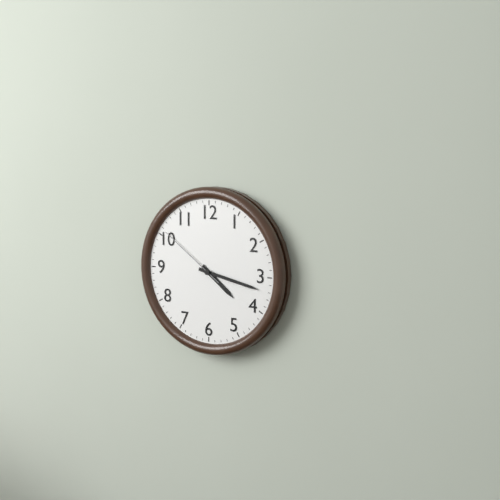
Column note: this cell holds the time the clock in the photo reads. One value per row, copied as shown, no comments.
4:17:51
